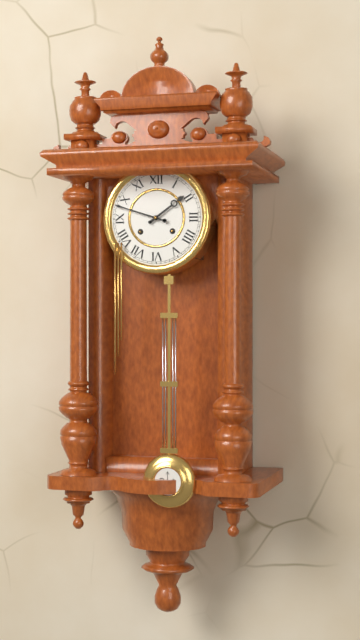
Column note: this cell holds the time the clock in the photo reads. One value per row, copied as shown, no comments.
1:48
